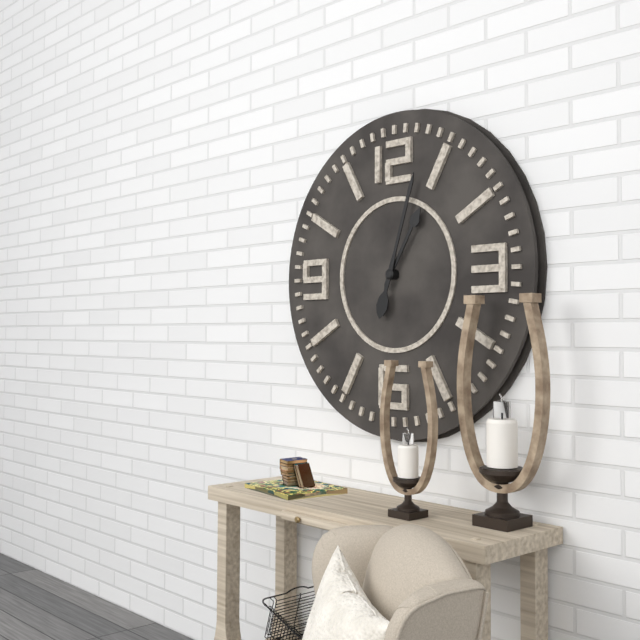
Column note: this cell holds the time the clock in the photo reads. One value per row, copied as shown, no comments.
1:03
